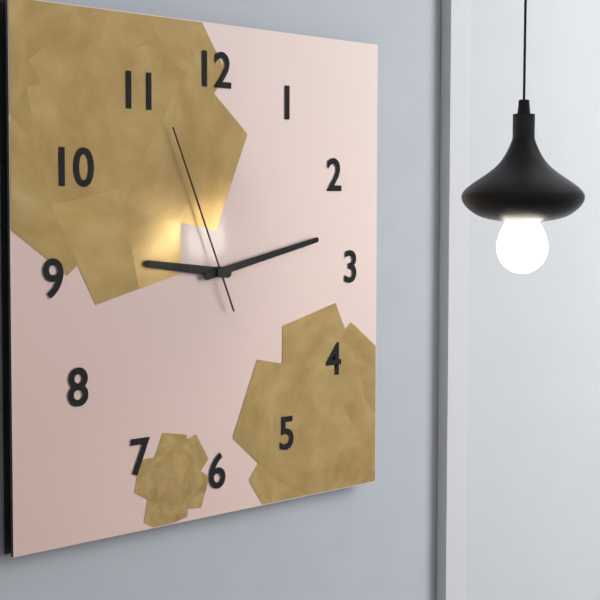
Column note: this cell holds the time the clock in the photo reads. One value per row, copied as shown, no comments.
9:13:56
